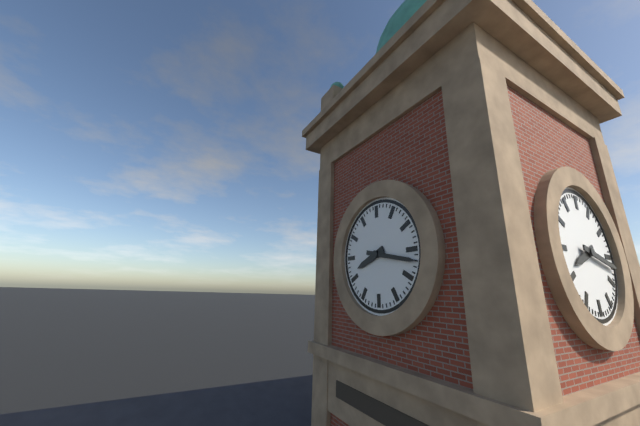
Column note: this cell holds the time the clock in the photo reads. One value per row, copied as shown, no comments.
8:17
